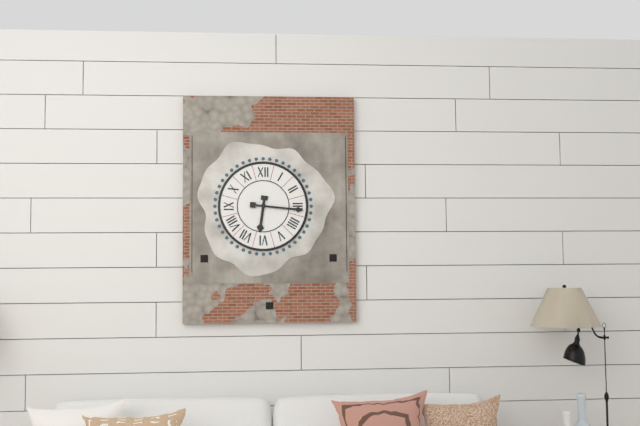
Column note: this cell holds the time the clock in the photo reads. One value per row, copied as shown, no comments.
6:16
